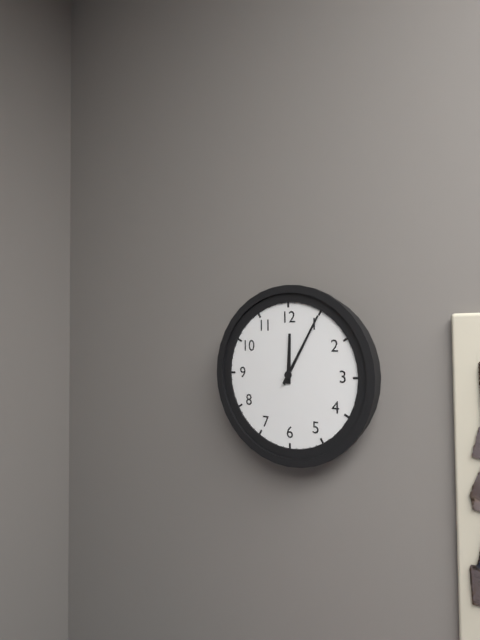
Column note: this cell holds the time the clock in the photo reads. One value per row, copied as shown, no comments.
12:05
